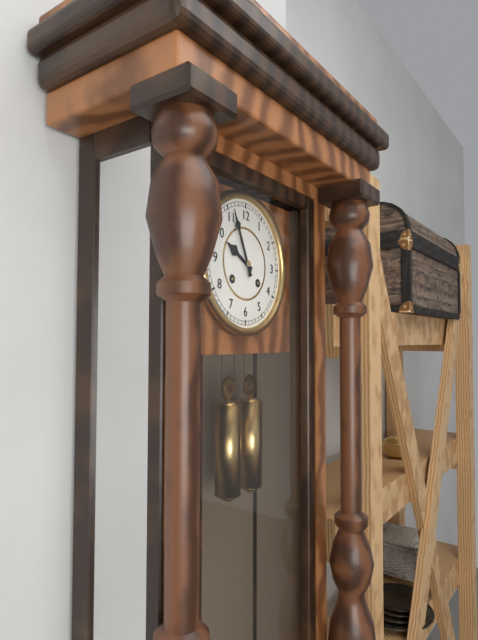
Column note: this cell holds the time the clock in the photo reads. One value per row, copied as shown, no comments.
9:56
